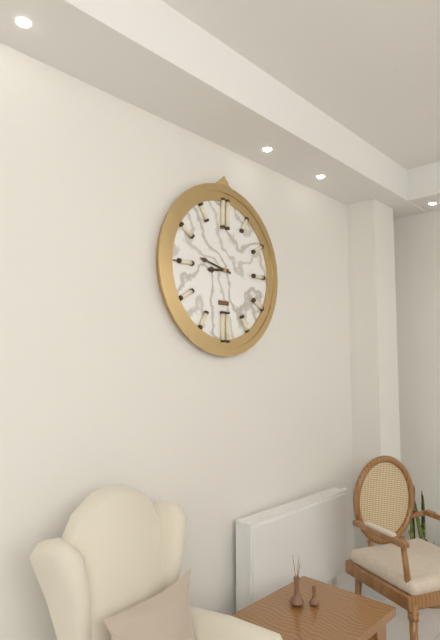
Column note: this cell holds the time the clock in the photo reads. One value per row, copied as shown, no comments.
8:47
